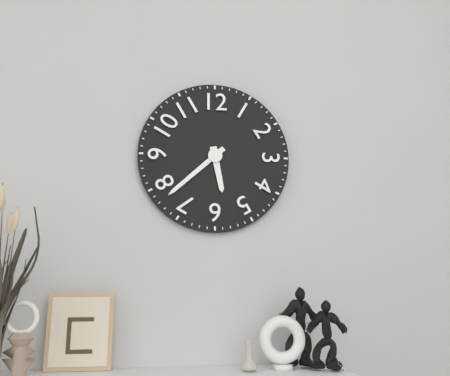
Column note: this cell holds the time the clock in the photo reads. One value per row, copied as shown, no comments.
5:38
